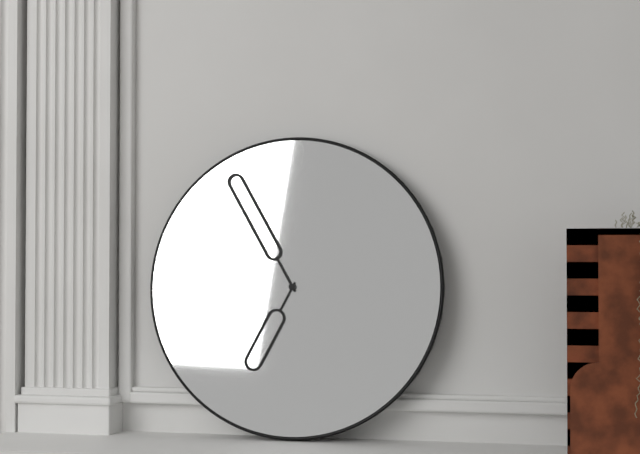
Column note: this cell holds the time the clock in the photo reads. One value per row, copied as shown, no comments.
6:55
